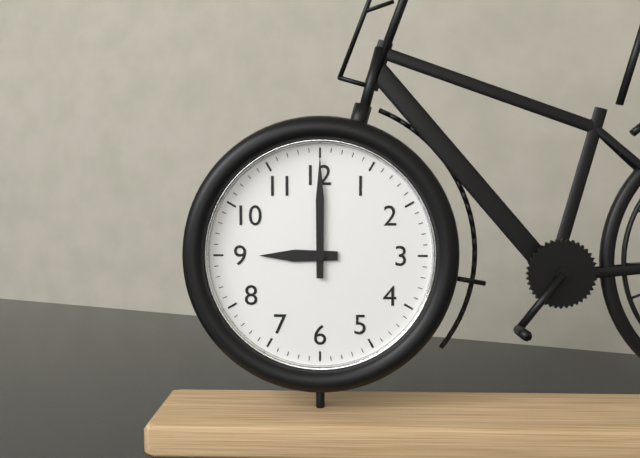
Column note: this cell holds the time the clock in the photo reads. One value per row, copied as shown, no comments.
9:00
